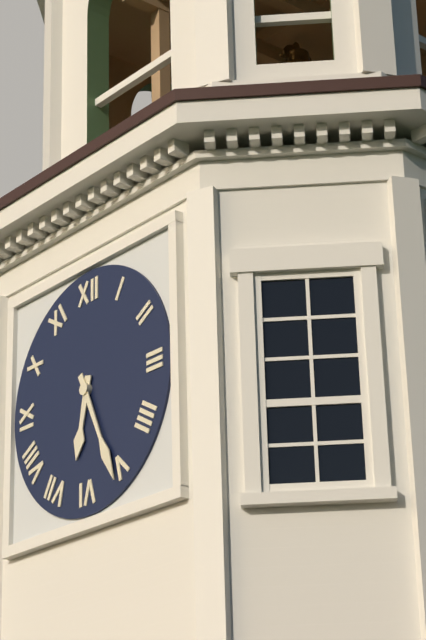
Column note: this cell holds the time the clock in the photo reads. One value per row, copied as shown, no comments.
6:26
